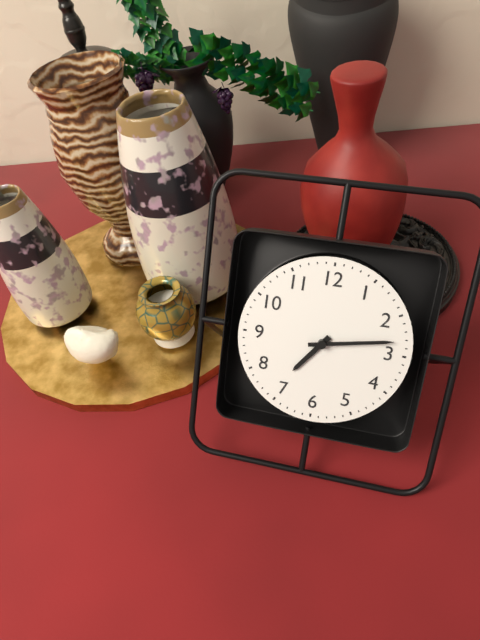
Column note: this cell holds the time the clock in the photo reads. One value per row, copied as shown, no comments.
7:13
